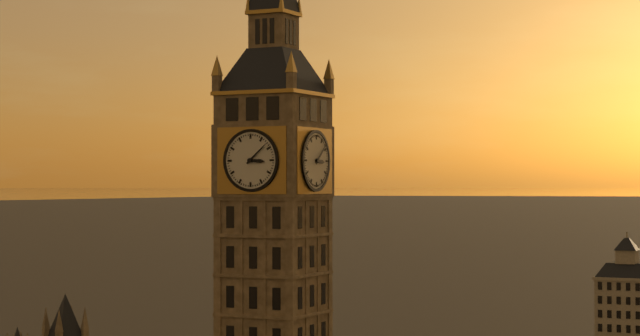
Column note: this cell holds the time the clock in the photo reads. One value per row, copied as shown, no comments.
3:08
